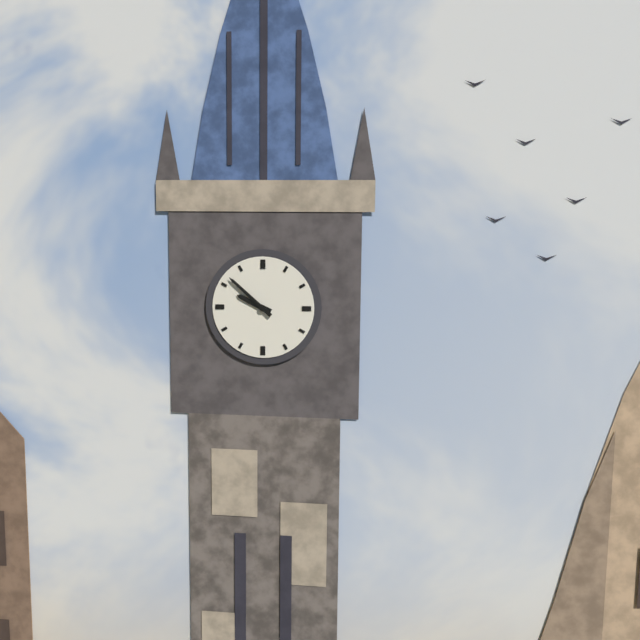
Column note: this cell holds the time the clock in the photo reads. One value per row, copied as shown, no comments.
9:52
